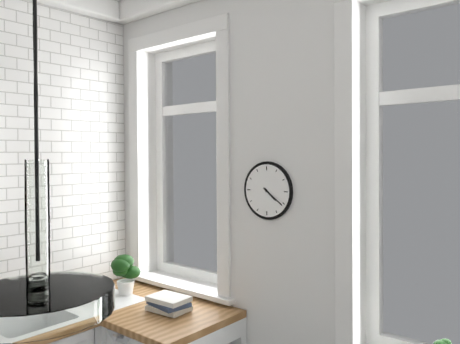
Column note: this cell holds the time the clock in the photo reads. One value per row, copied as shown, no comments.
4:21
